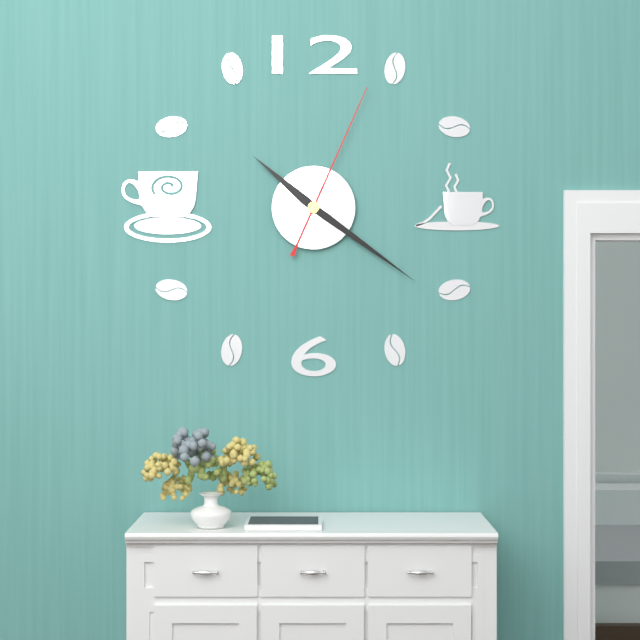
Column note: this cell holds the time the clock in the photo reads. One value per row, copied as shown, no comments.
10:21:04
